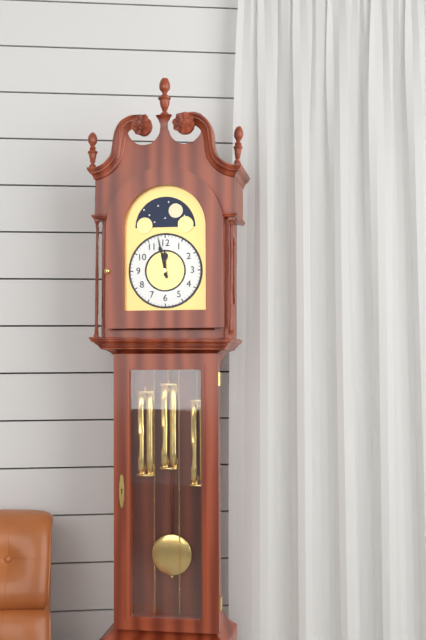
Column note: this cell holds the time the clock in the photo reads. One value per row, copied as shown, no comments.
11:58
